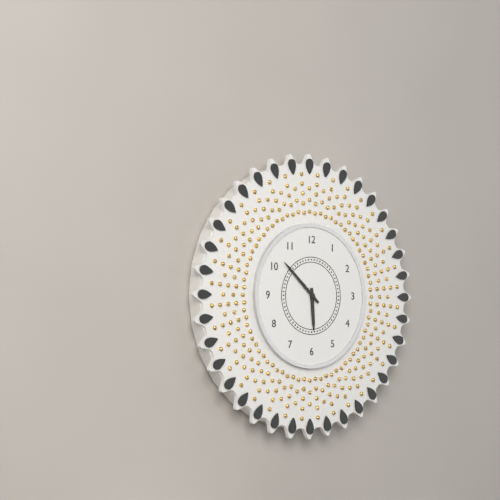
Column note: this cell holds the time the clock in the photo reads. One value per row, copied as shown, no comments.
5:52
